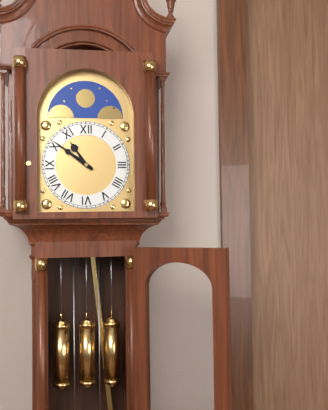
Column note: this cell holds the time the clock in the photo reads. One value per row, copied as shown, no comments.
10:51
